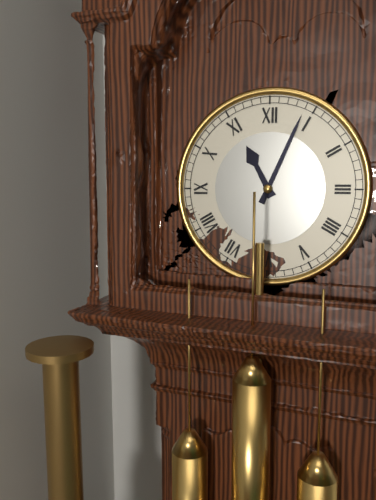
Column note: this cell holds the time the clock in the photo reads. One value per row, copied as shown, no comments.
11:04
